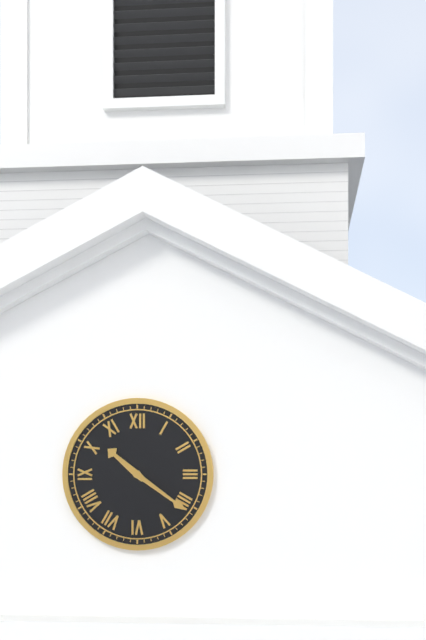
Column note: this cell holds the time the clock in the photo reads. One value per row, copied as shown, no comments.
10:21
